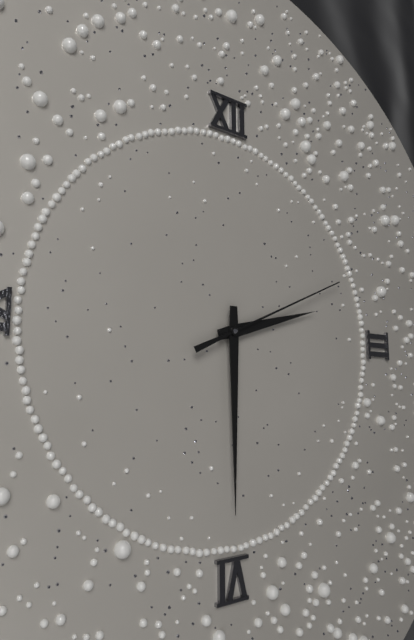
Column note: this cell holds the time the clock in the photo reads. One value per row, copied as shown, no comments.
2:30:11
